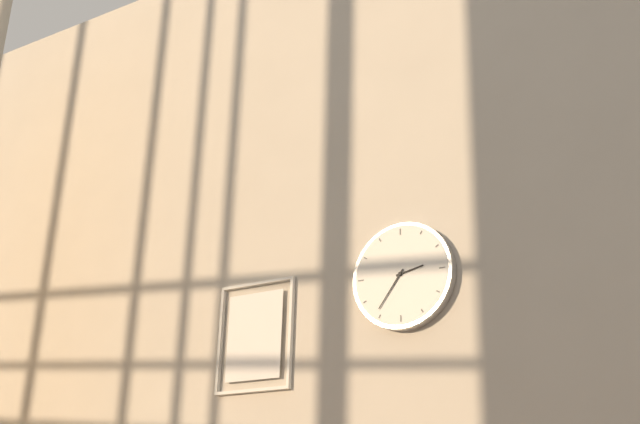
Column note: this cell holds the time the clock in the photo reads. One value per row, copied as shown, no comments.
2:36
